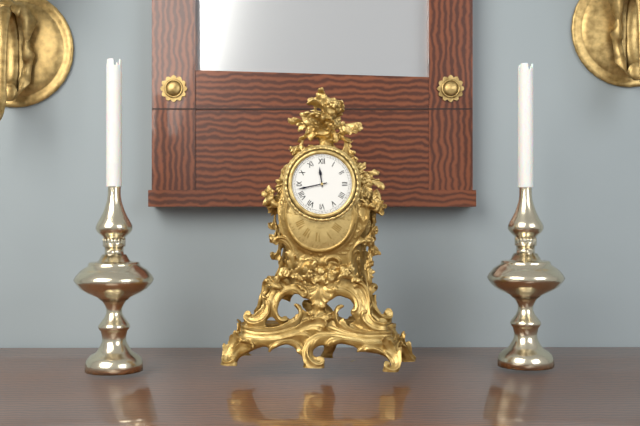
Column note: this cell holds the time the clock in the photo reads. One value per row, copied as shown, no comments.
11:43
